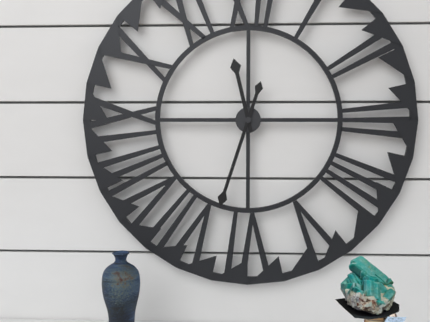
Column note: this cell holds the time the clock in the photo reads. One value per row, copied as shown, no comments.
11:33
